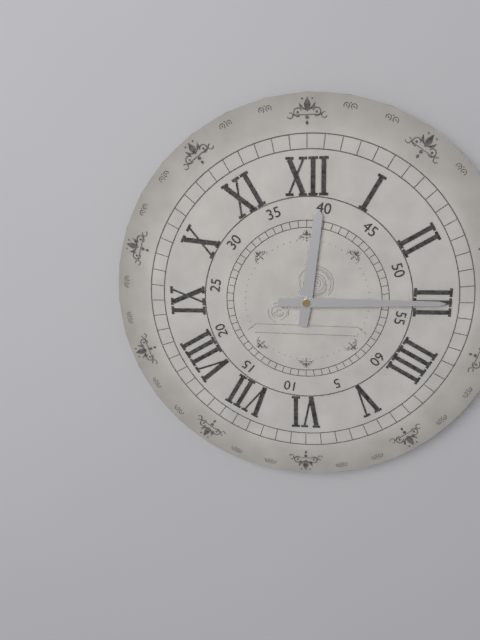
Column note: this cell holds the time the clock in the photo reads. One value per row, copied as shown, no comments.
12:15
